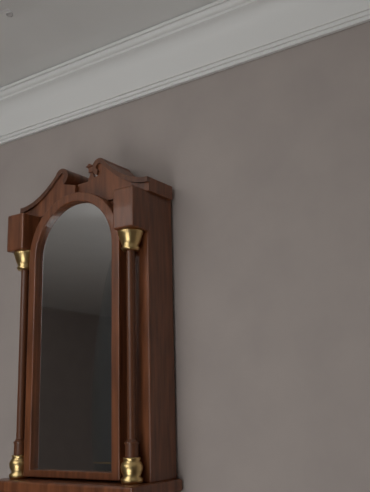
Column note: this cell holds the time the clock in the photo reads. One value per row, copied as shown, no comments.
8:36
